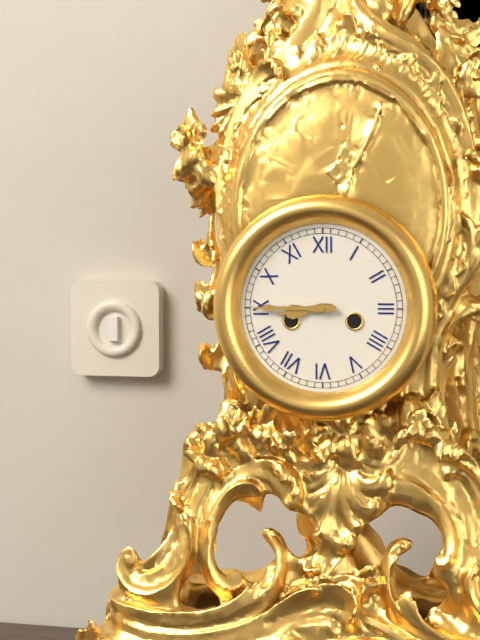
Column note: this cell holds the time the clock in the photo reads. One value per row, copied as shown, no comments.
8:45
